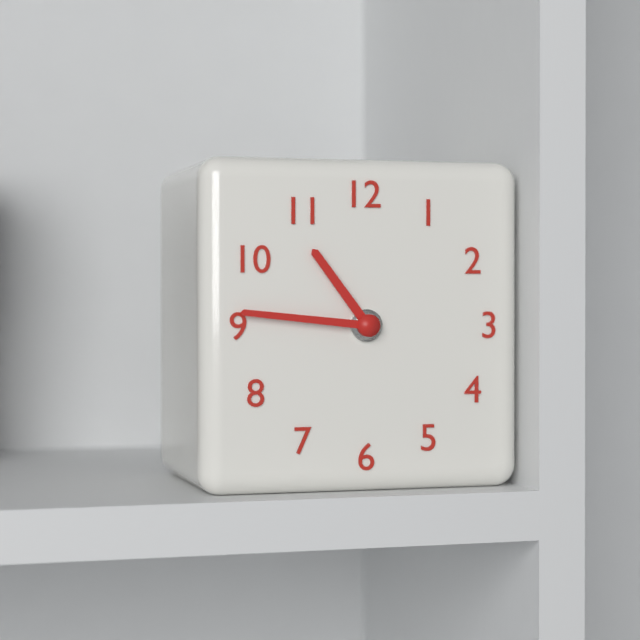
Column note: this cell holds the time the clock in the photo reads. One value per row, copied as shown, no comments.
10:46
